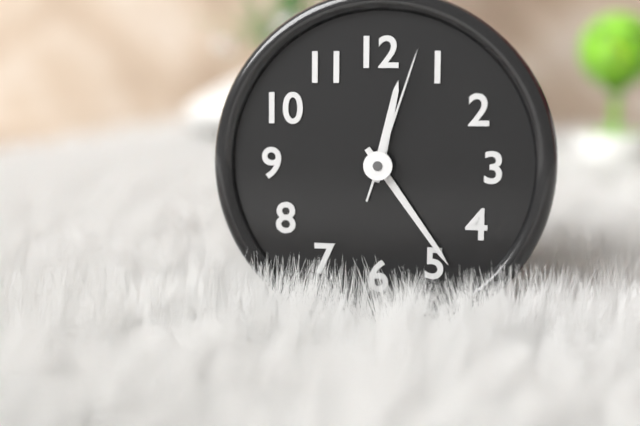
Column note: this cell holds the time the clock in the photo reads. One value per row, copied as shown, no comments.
12:24:03
